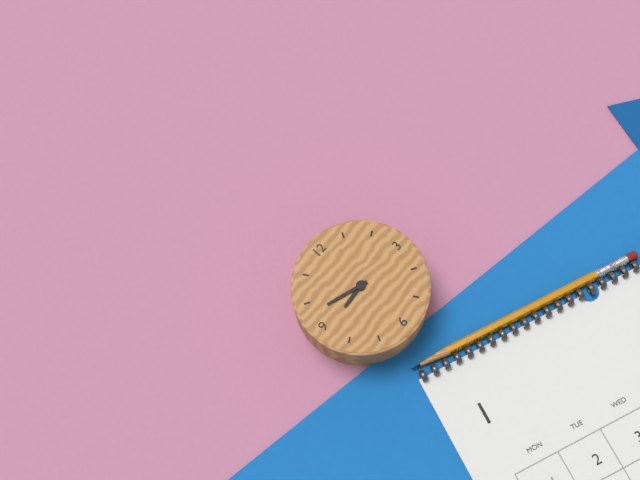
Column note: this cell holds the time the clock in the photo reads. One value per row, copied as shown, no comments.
8:48
